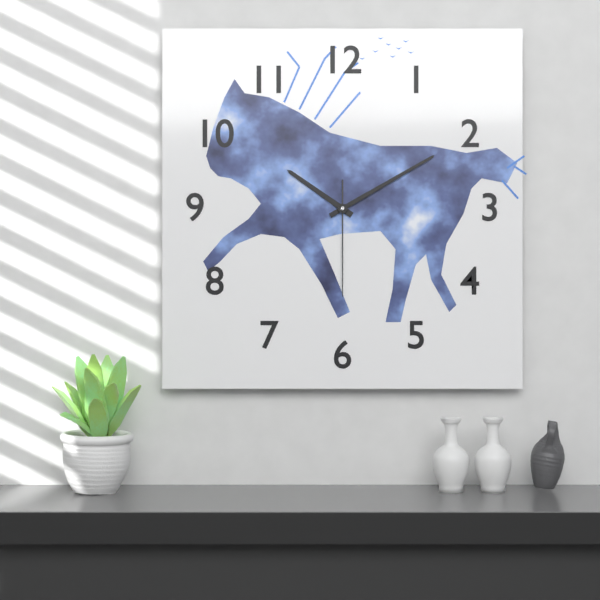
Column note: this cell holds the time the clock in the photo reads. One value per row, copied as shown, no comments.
10:10:30
